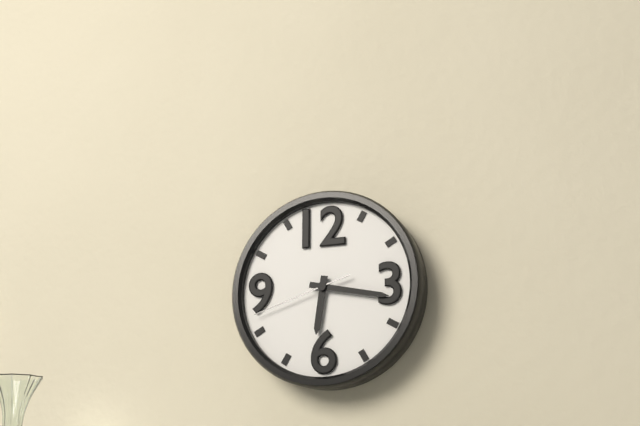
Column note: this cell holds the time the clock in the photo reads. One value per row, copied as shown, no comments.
6:17:42
